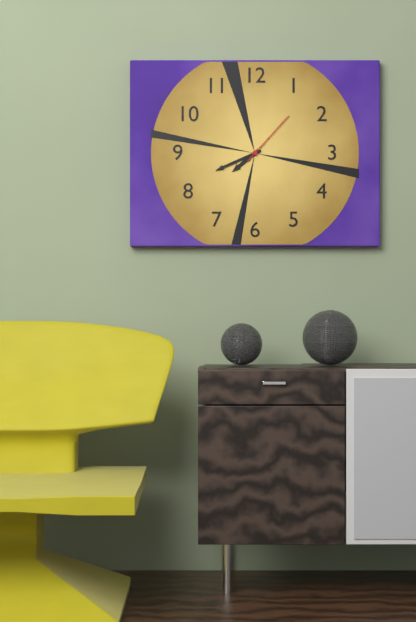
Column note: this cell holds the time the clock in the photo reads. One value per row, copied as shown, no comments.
7:41:07
